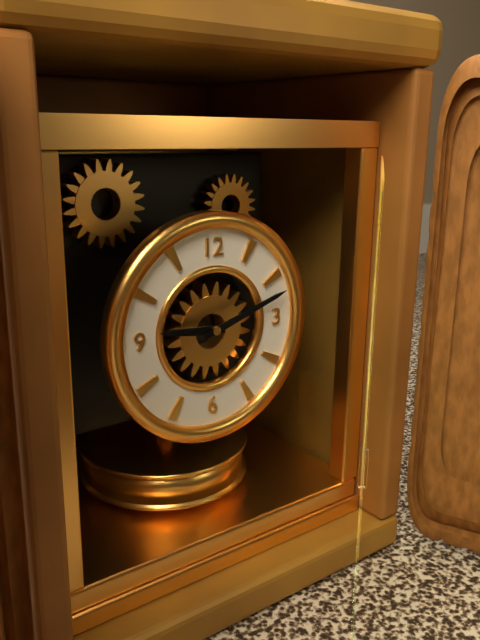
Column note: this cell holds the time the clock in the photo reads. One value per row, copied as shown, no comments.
9:12
